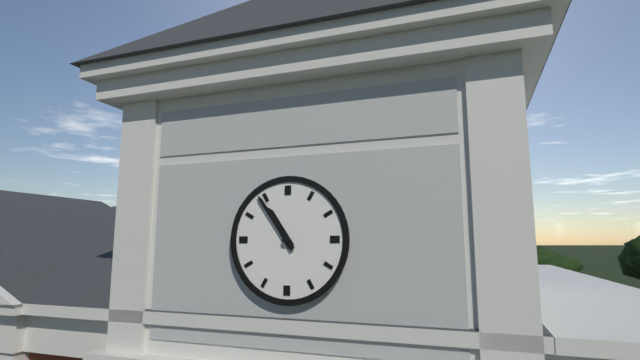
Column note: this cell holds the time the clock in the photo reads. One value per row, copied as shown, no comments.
10:54
